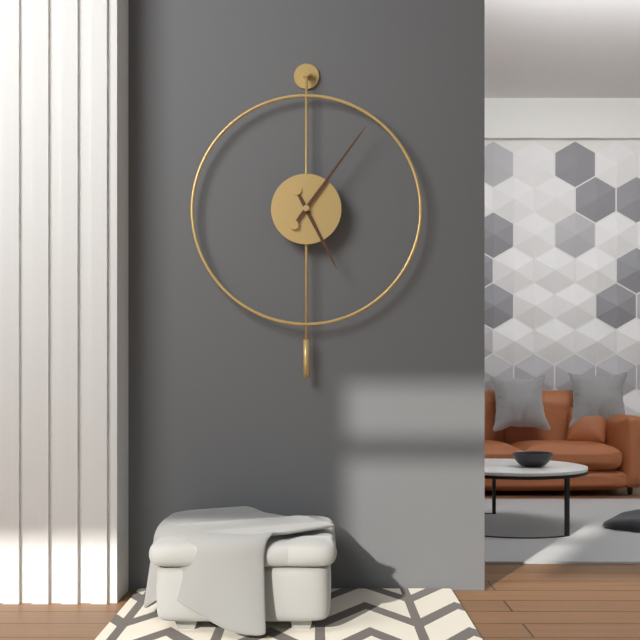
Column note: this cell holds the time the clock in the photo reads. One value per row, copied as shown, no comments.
5:06
